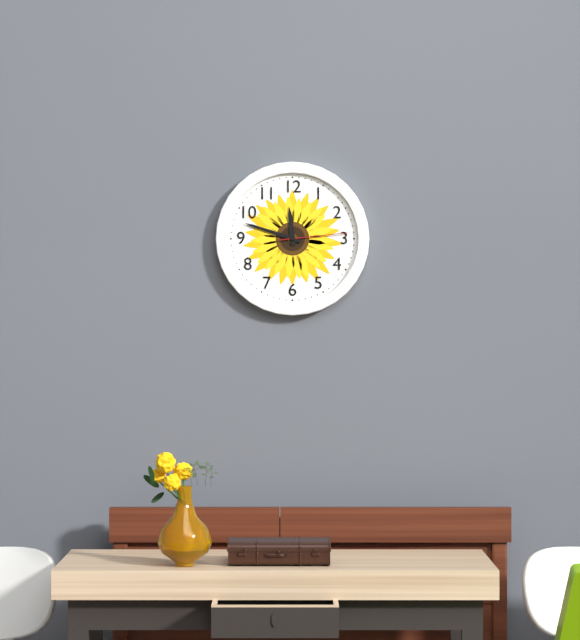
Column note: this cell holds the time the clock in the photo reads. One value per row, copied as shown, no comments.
11:48:14
